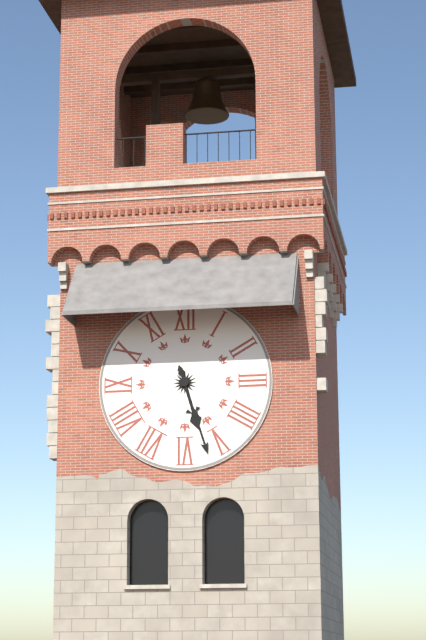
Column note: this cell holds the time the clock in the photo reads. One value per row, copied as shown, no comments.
5:27
